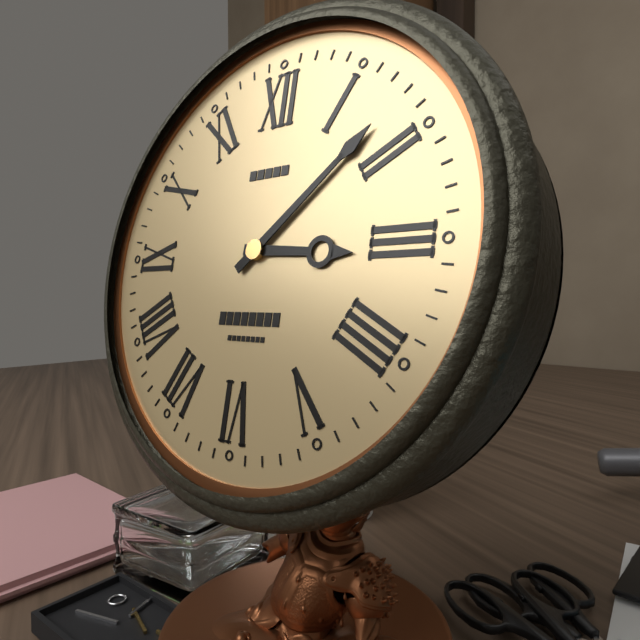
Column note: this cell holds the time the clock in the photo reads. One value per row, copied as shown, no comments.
3:08
